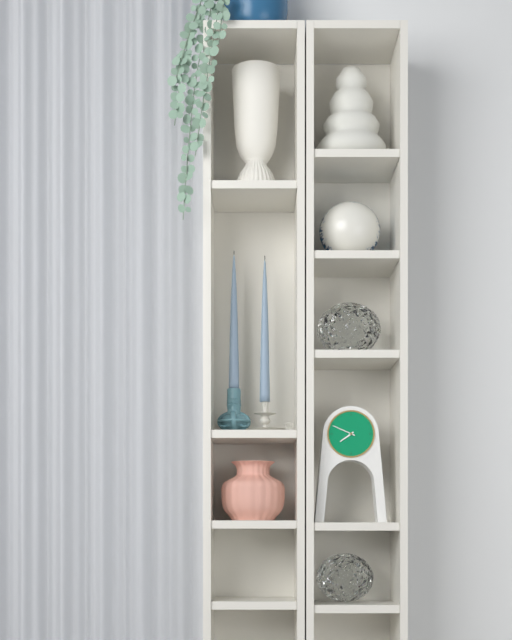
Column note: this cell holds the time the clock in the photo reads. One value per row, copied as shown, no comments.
7:49
